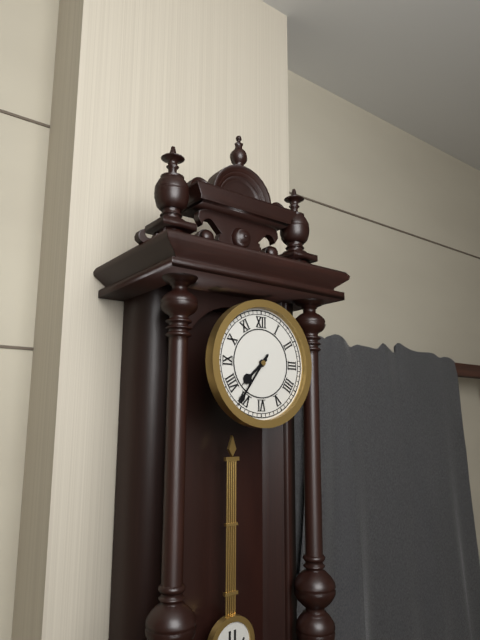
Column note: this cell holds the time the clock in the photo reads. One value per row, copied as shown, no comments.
7:36
